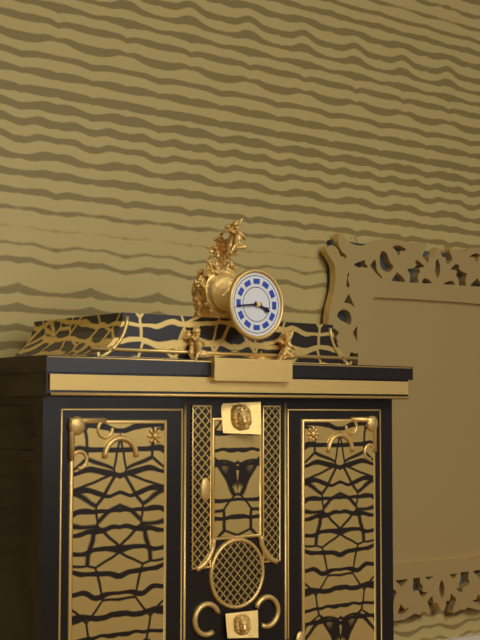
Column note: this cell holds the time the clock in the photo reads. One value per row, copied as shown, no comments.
3:44
